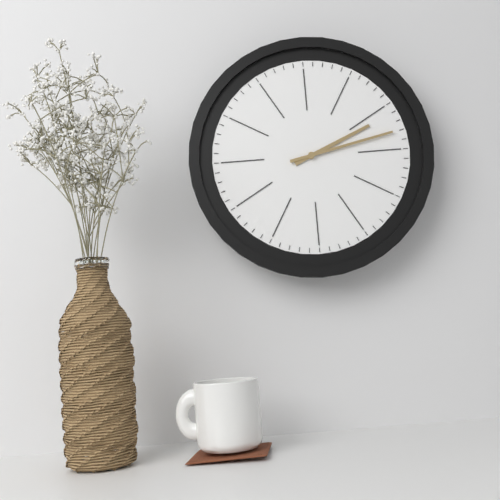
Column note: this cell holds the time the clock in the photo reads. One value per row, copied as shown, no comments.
2:13
